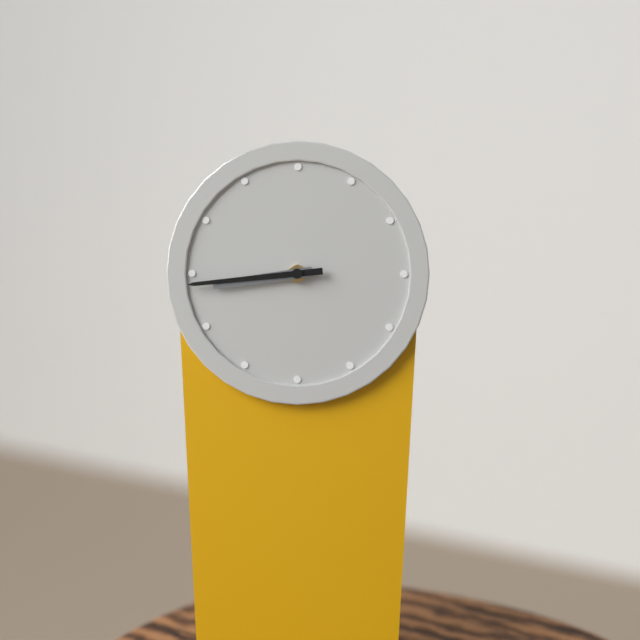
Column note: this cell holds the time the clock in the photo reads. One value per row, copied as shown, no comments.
8:44
